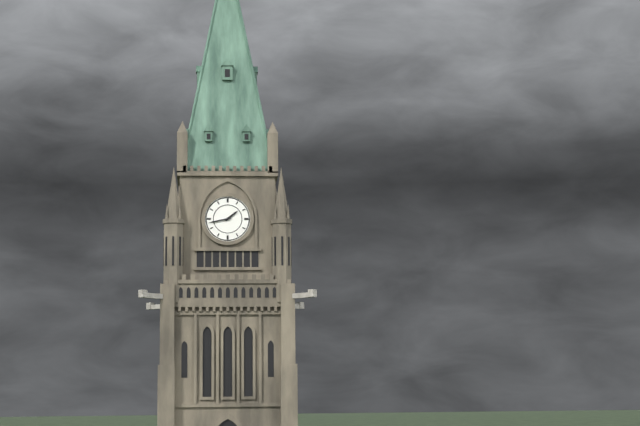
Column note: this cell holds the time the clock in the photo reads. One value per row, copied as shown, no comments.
1:43
